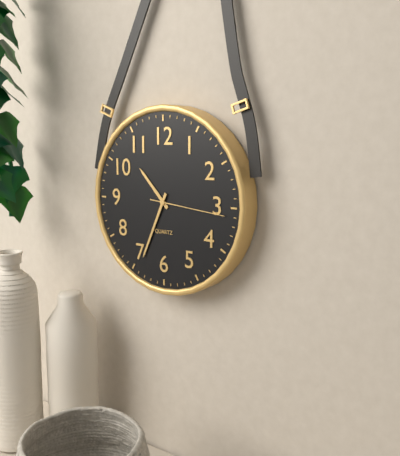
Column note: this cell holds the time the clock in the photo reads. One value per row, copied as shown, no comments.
10:34:16
